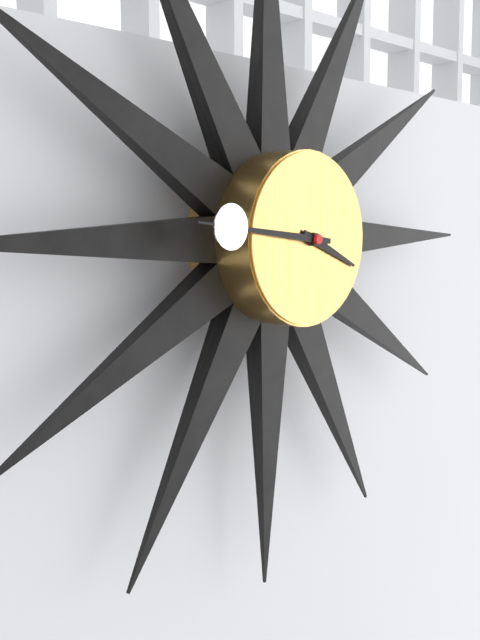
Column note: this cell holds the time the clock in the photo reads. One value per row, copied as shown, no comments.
3:46
